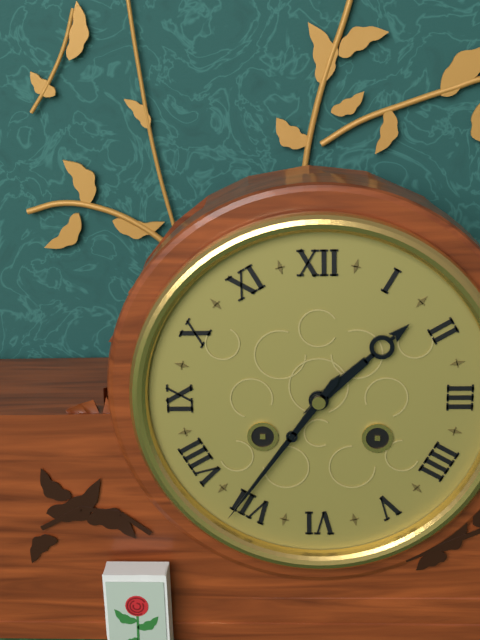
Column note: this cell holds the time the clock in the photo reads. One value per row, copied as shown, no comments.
1:36
